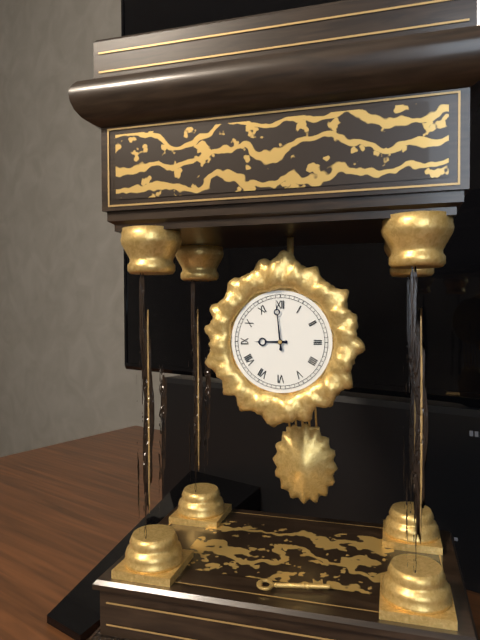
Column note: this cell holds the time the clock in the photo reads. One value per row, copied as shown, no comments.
8:59
